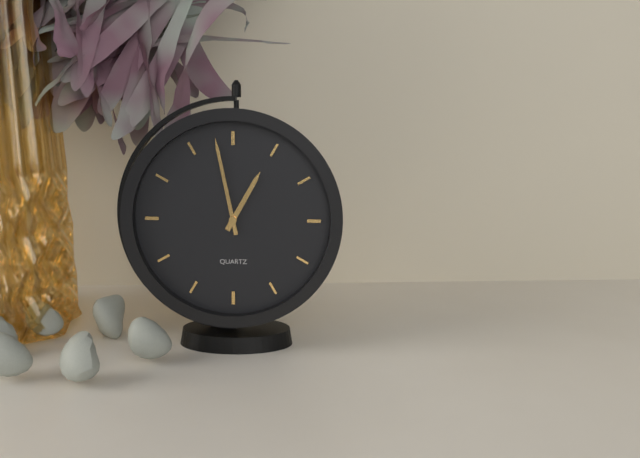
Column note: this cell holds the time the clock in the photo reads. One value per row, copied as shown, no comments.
12:58
